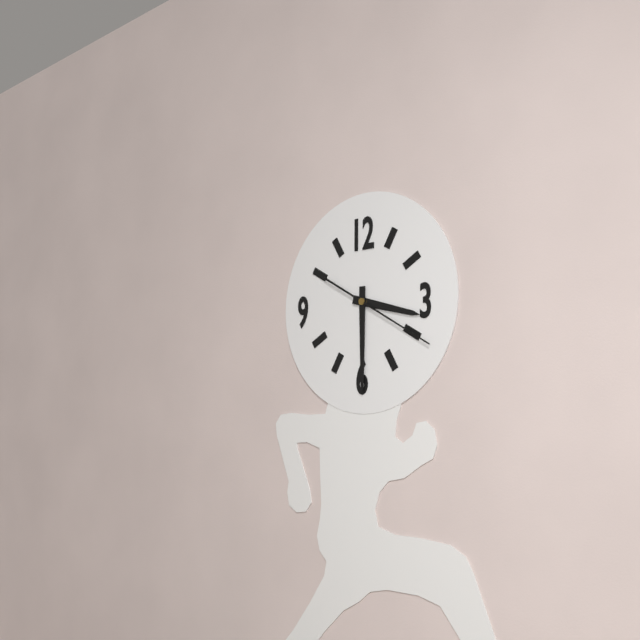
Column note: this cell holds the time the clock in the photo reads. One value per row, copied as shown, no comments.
3:30:20
